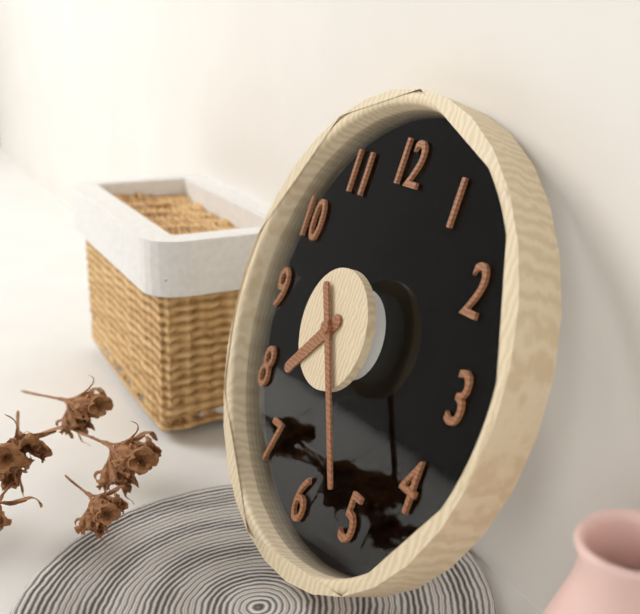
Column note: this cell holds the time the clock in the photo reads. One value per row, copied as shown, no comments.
7:24
